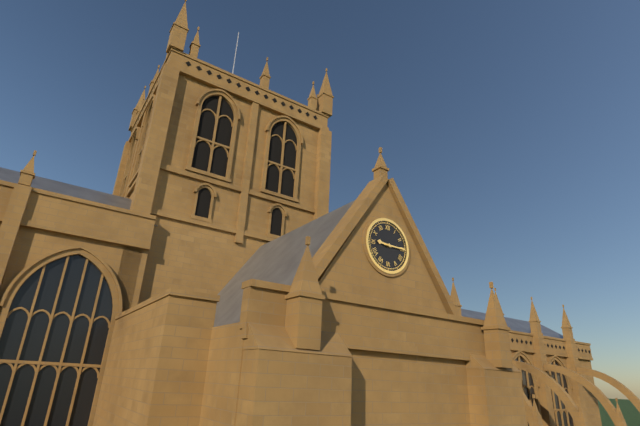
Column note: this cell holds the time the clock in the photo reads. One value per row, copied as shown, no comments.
9:15
